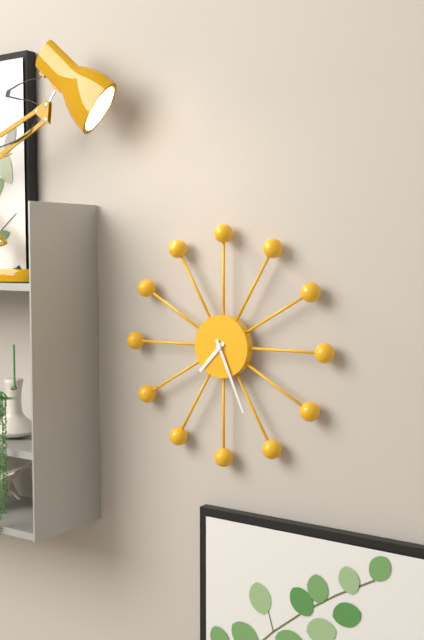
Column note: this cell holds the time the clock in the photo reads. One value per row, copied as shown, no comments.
7:26
